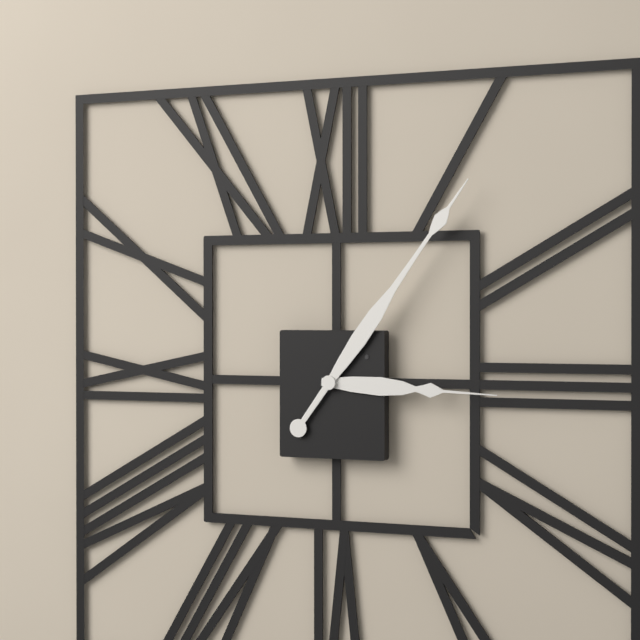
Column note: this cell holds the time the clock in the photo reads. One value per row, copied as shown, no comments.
3:06
